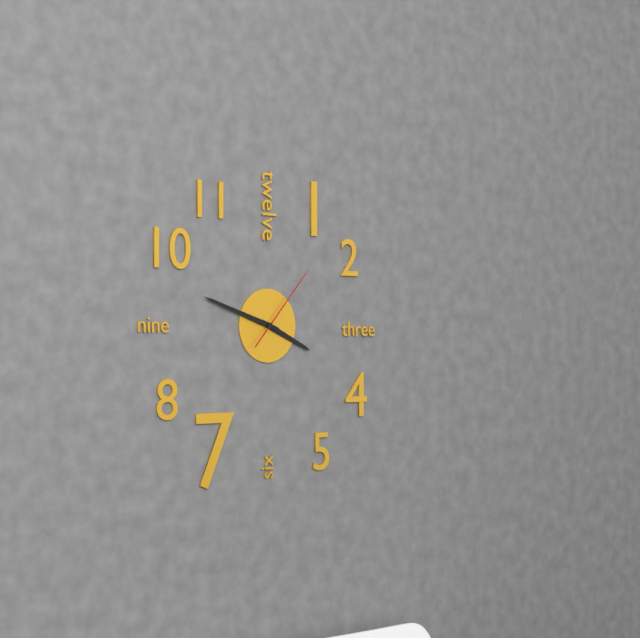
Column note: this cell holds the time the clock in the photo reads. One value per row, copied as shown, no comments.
3:48:07
